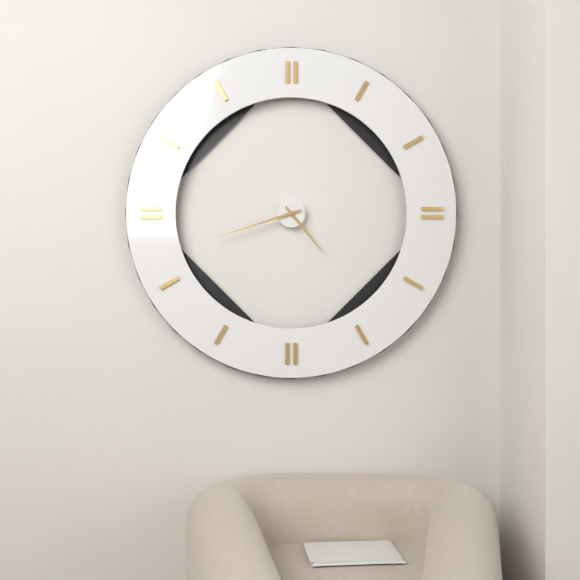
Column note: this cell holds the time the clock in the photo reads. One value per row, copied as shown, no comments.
4:42
